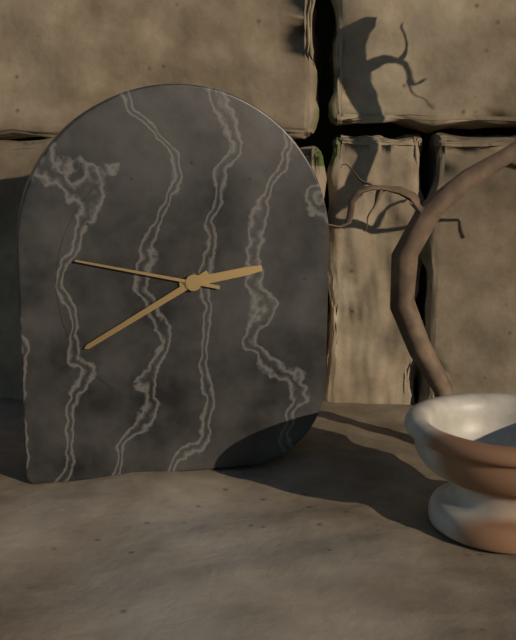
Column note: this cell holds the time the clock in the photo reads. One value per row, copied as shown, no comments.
2:40:47
